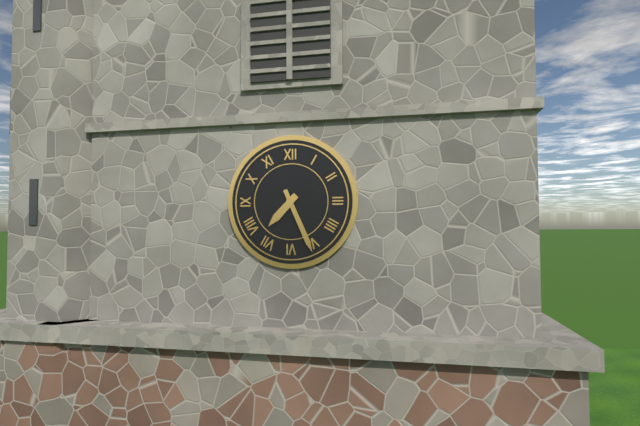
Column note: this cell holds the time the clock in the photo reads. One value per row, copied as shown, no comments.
7:26
